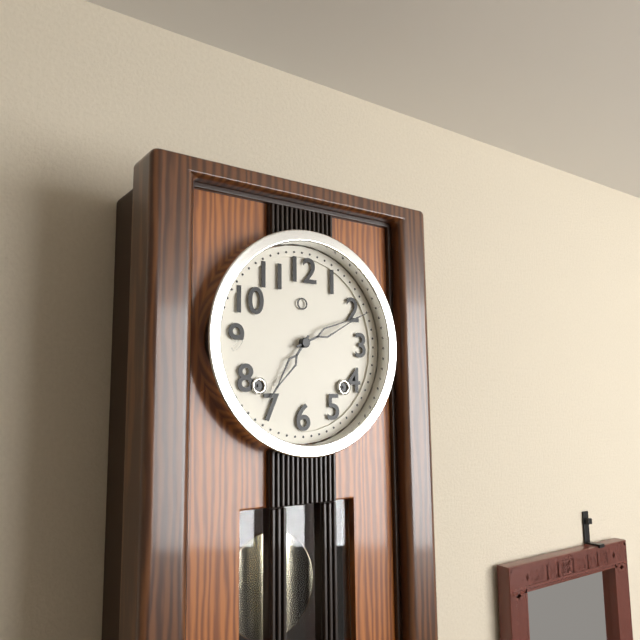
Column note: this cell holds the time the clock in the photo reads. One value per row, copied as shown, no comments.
7:11
